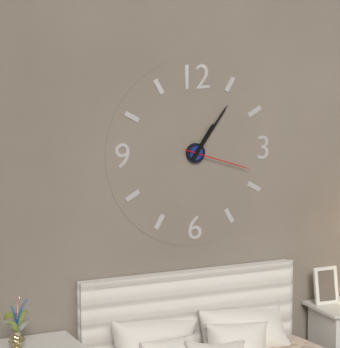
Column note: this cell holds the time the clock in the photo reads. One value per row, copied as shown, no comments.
1:06:18
